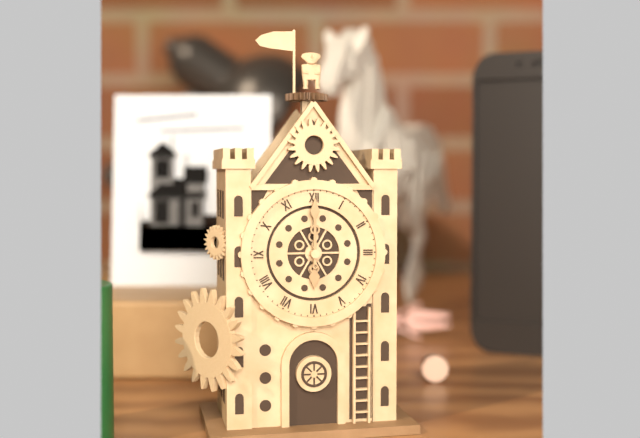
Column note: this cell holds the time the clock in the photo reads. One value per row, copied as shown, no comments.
6:00
